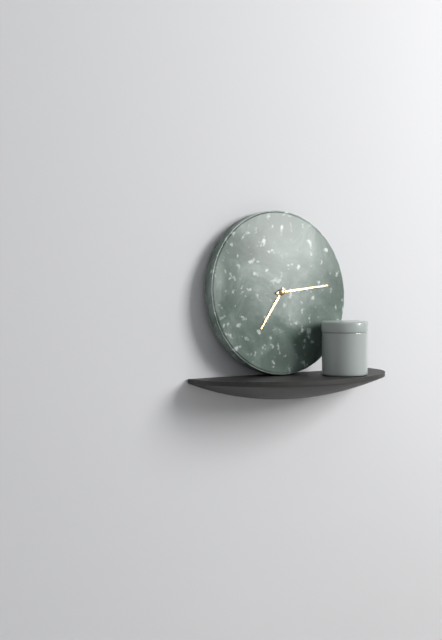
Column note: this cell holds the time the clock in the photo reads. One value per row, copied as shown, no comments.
7:14
